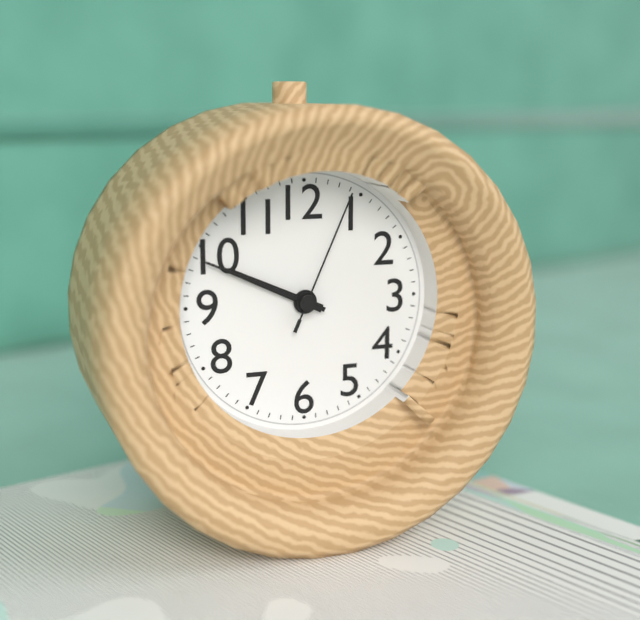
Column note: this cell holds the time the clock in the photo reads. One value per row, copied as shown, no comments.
9:49:04
